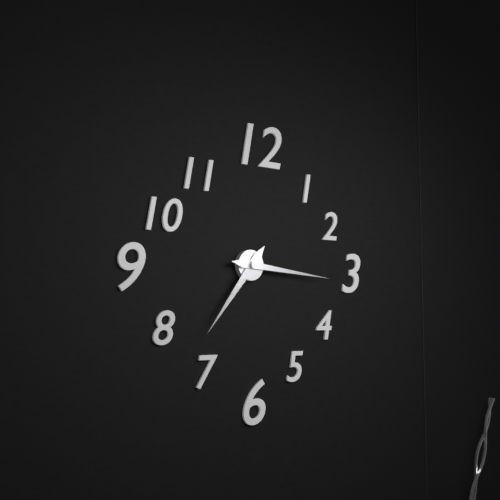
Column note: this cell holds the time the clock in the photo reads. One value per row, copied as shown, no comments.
7:16
